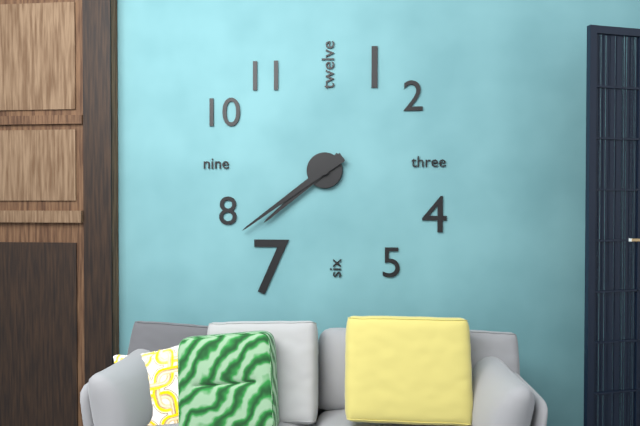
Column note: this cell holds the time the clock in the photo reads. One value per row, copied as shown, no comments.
7:39
